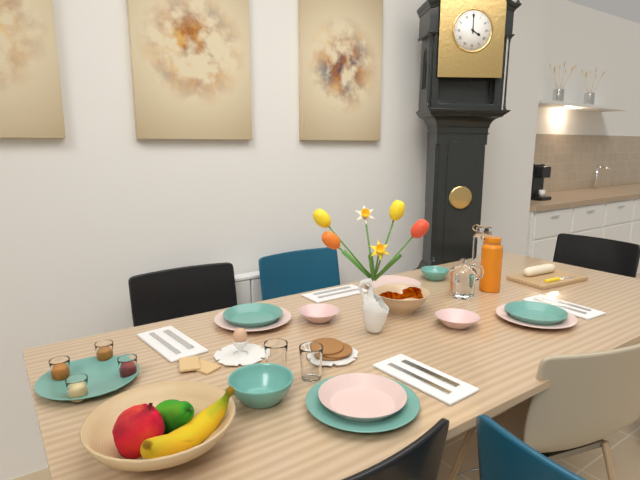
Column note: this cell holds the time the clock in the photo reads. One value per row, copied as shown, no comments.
4:00
